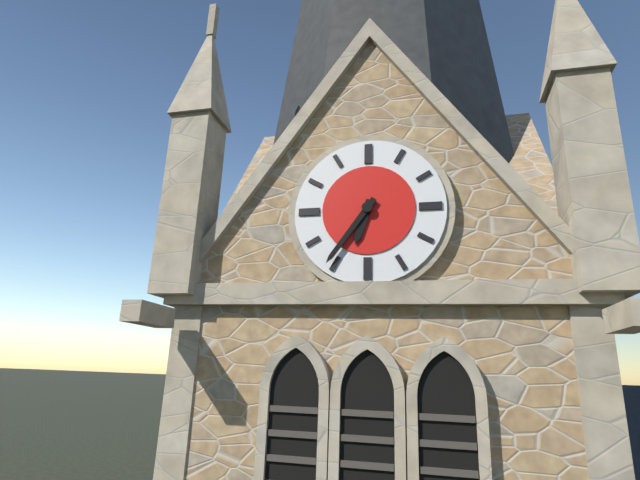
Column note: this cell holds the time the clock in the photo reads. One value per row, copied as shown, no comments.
6:36
